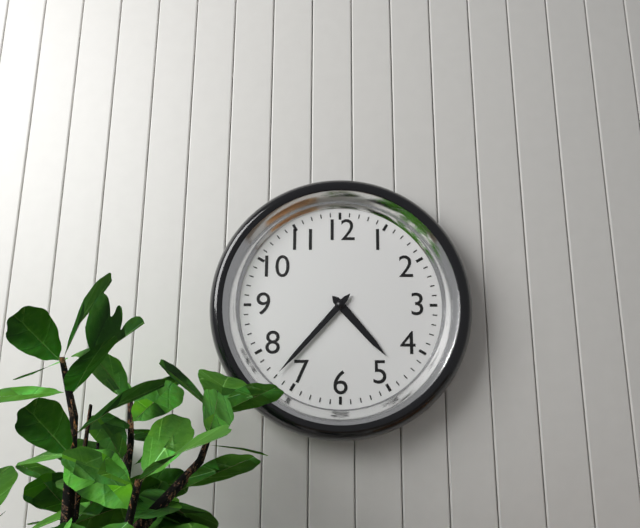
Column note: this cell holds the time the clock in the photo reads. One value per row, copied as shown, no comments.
4:37
